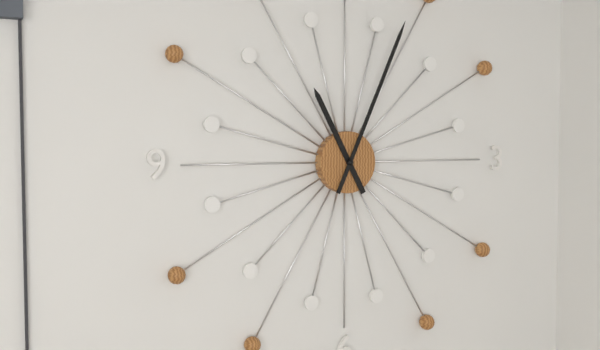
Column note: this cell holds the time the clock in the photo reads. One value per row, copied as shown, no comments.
11:04
